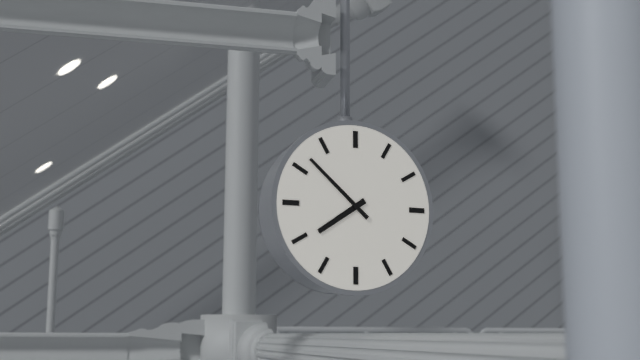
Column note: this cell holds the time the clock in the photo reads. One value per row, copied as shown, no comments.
7:52
